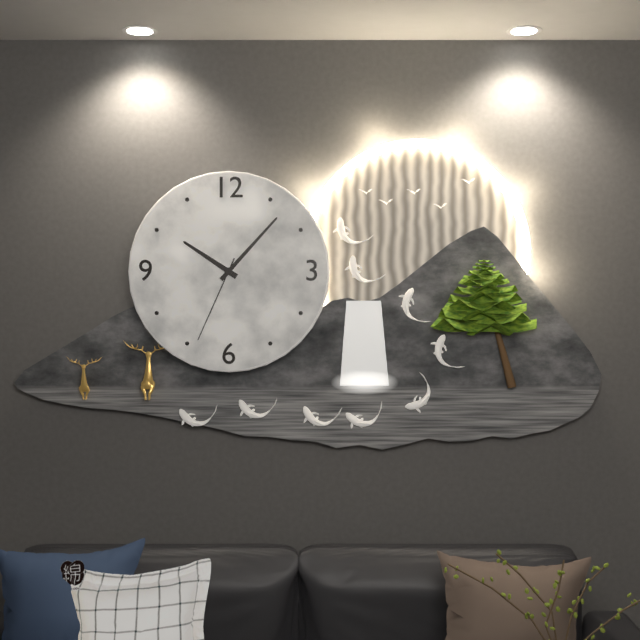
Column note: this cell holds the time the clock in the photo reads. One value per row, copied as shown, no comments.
10:07:34
